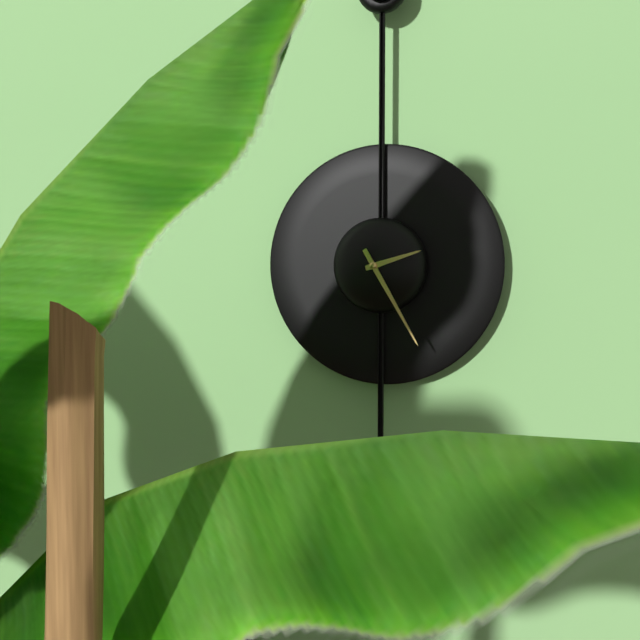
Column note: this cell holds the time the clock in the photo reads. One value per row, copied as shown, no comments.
2:25
